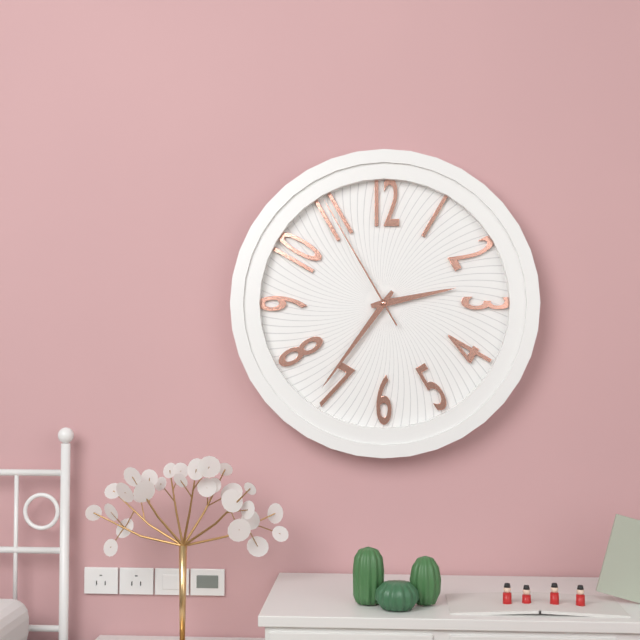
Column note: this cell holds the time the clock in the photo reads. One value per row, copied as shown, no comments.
2:36:55
